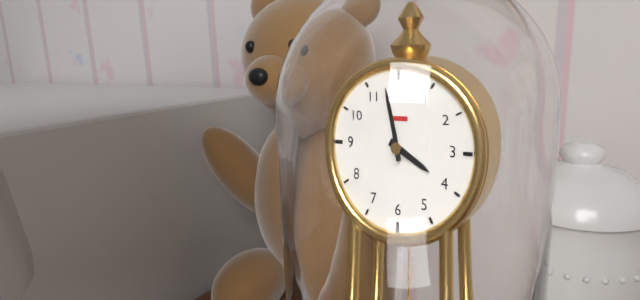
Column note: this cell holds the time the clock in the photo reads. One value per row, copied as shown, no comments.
3:58
